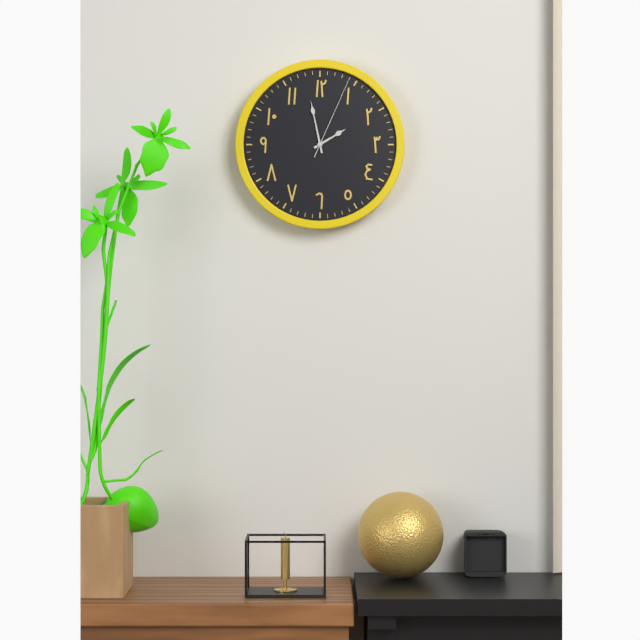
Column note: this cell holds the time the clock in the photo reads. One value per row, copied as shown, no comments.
1:58:04
